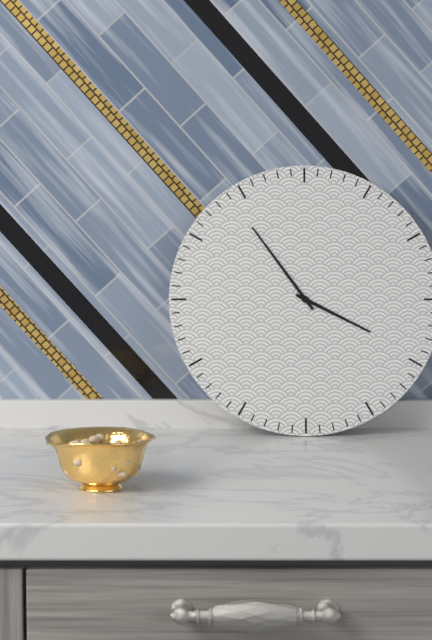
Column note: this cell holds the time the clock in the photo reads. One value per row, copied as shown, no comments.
3:54
